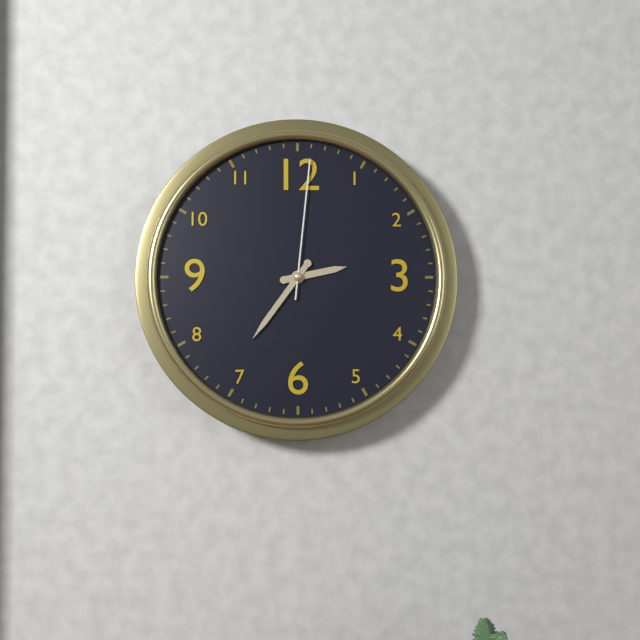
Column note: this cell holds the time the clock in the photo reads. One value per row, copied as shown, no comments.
2:36:01
